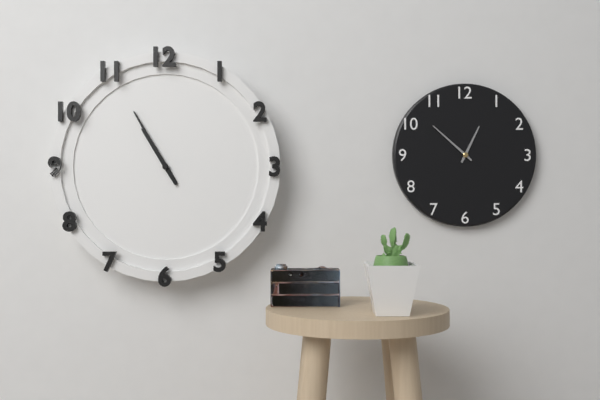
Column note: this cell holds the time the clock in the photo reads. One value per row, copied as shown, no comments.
10:55
